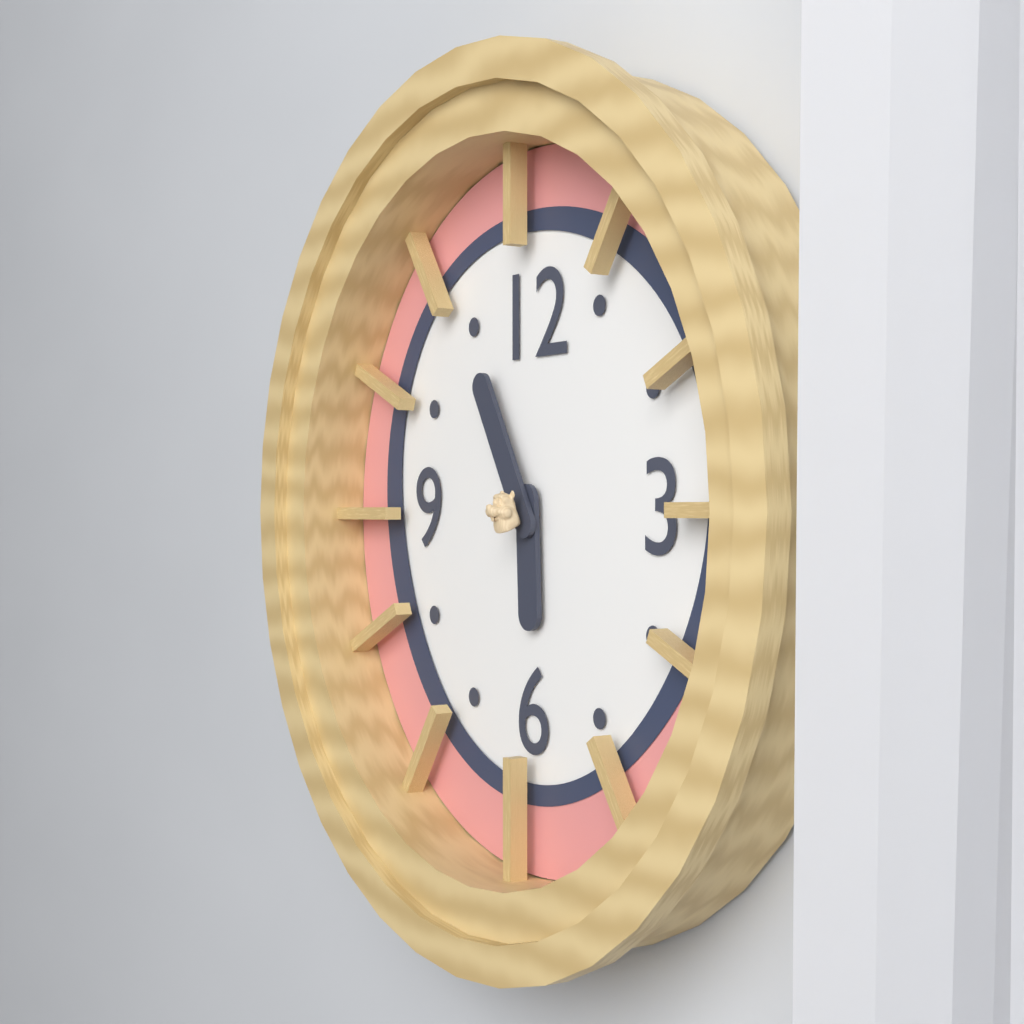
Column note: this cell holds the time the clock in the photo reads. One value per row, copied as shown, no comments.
5:55
